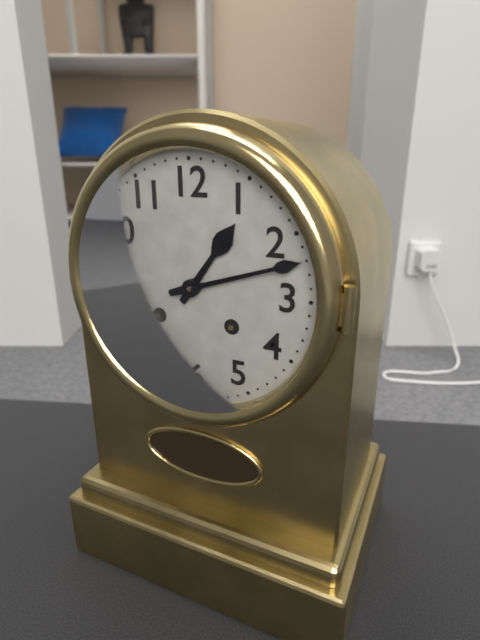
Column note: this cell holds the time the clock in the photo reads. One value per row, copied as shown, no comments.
1:12
